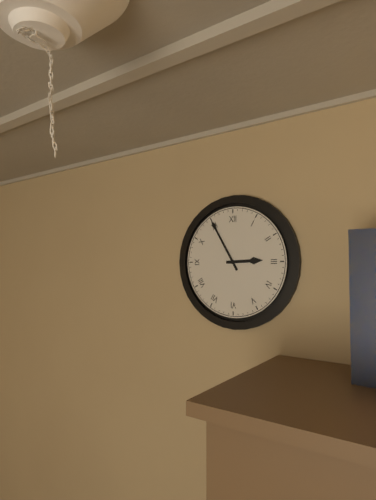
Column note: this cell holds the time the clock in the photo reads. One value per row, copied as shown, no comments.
2:55
